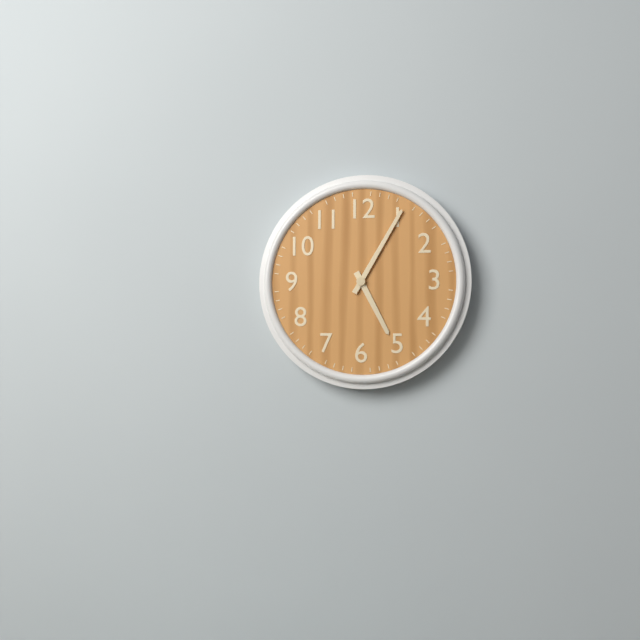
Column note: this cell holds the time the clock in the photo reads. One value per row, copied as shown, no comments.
5:05
